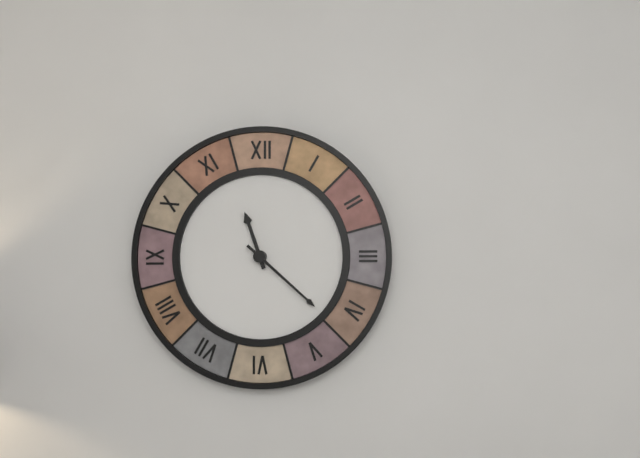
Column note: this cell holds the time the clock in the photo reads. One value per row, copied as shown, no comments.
11:22
